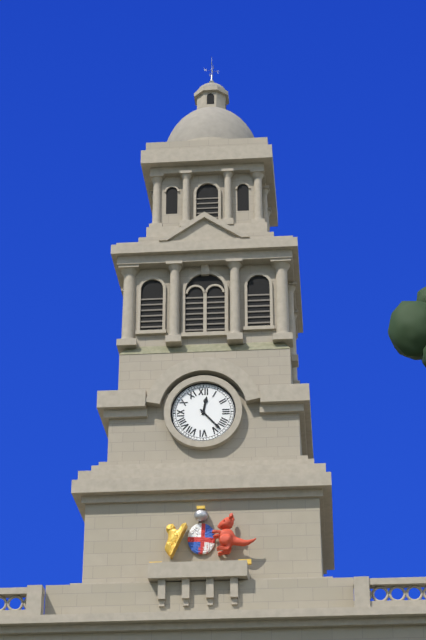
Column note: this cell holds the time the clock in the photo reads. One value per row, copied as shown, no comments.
12:23
